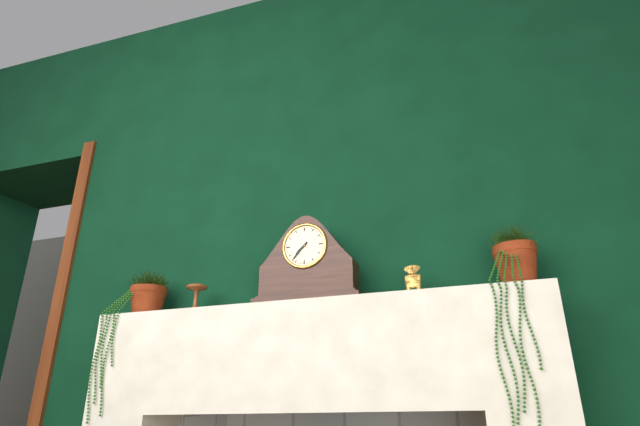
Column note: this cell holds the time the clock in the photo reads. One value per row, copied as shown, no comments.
7:37
